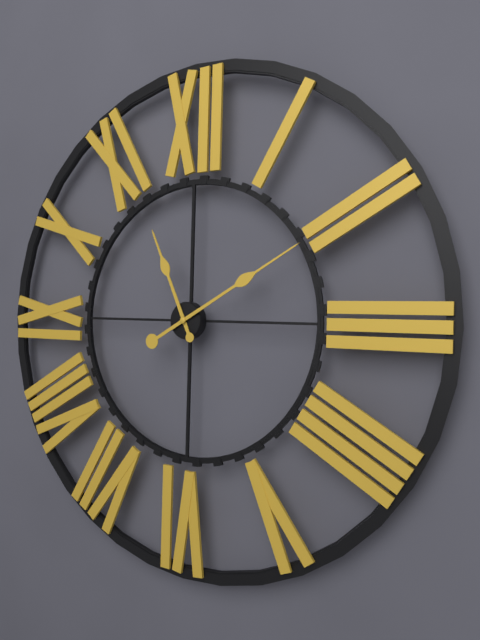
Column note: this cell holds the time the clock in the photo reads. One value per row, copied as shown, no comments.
11:10
